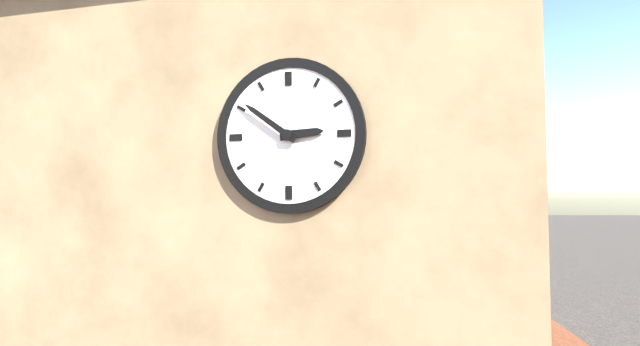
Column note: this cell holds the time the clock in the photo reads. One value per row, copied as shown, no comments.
2:51
